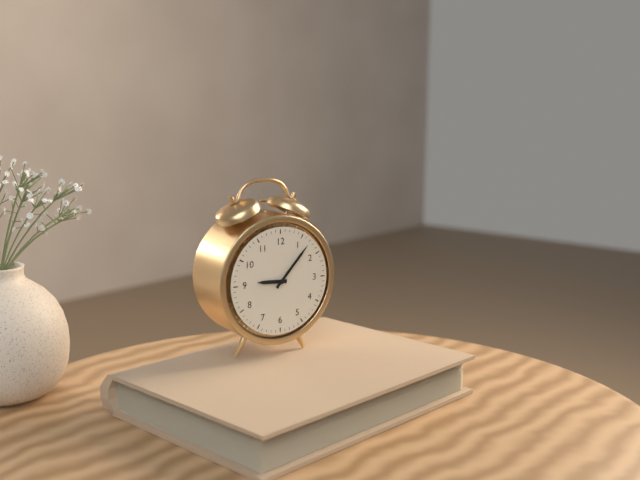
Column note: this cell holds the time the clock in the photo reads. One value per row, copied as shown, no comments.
9:07
